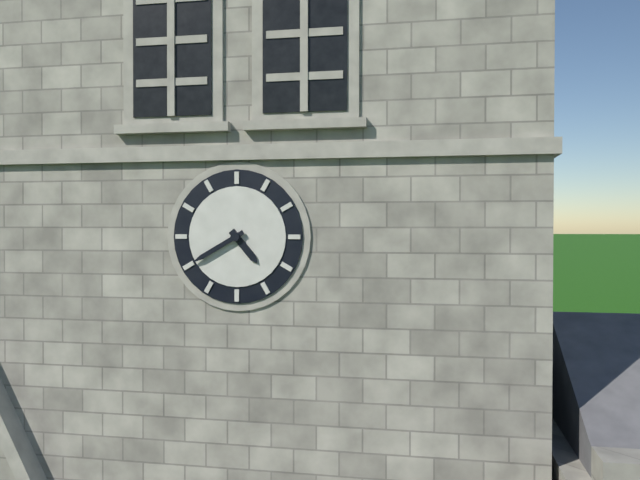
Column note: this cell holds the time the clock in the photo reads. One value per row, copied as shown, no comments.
4:40
